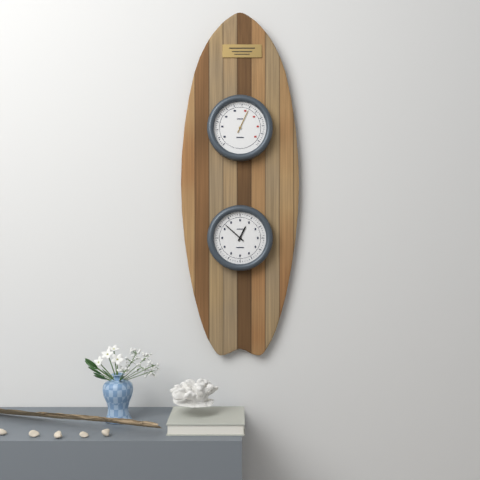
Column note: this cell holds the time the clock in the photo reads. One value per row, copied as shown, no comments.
12:52
